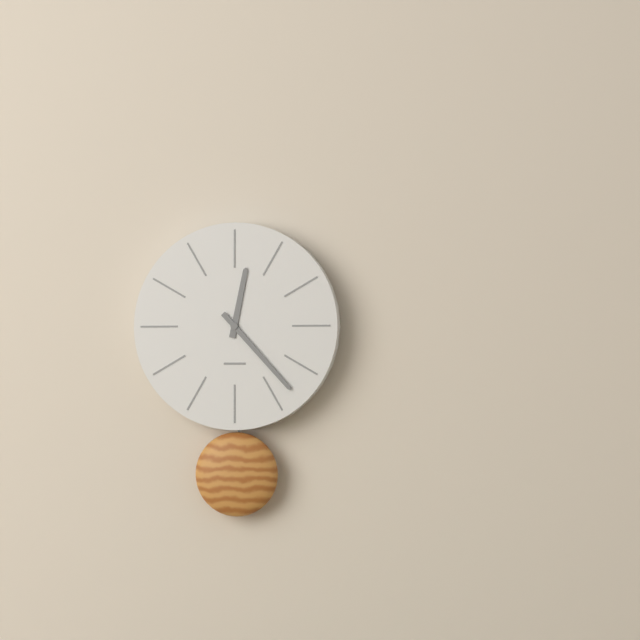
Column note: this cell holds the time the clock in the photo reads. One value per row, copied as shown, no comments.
12:23
